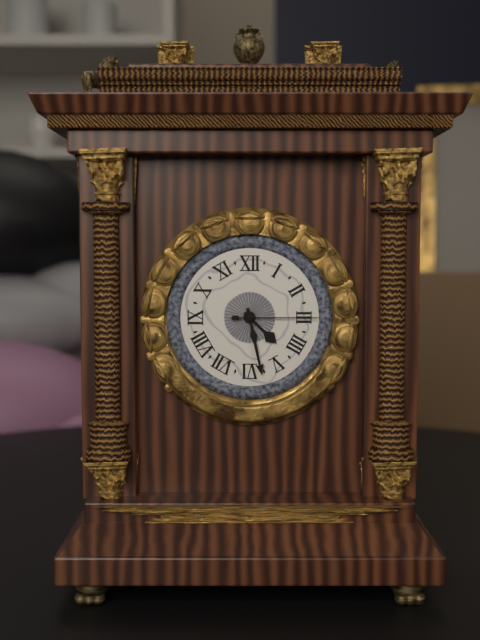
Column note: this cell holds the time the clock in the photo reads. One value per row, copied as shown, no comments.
4:28:15
